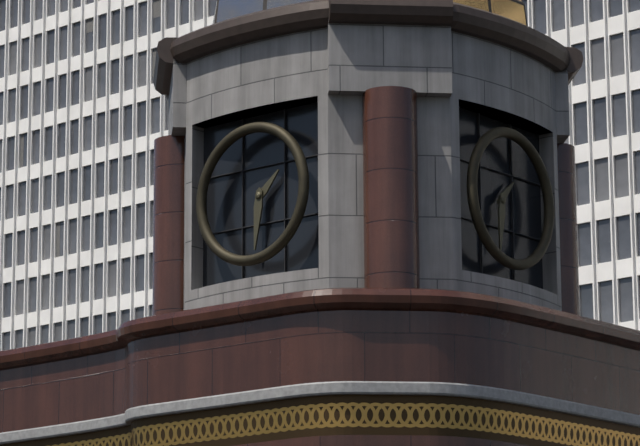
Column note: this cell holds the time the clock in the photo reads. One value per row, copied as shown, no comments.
1:31
